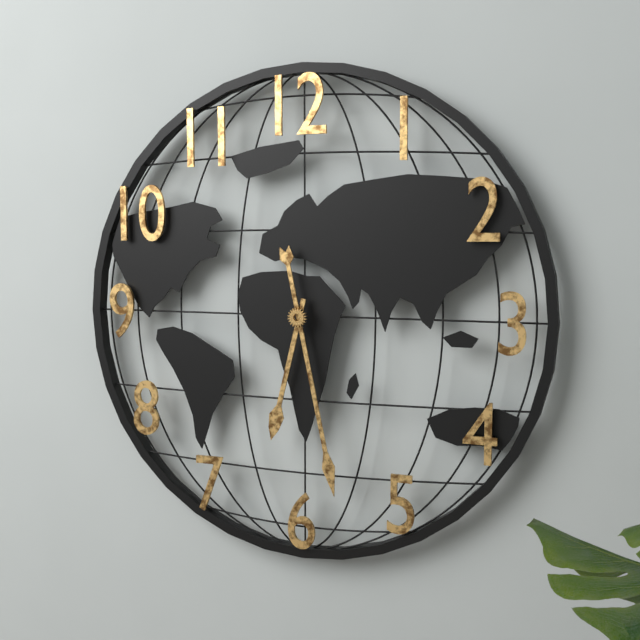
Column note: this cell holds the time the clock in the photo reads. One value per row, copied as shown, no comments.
6:28
